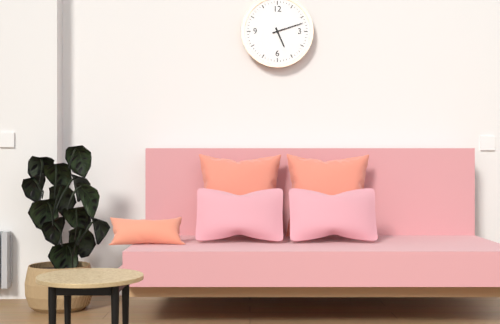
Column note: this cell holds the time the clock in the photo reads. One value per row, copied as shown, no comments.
5:12
